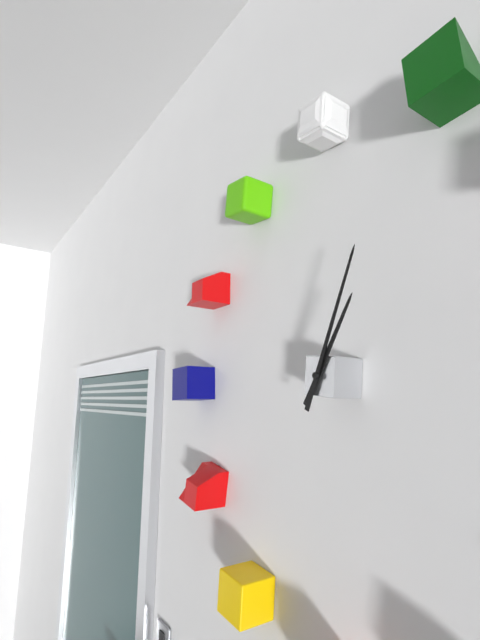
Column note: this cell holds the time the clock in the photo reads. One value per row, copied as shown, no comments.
1:04
